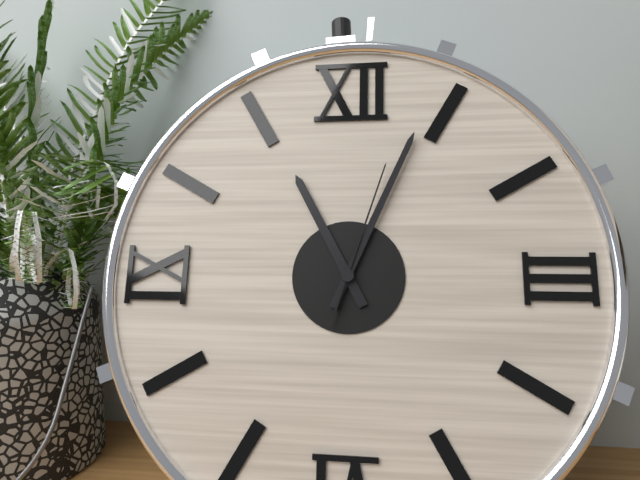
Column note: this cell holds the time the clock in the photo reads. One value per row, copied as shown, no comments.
11:04:03
